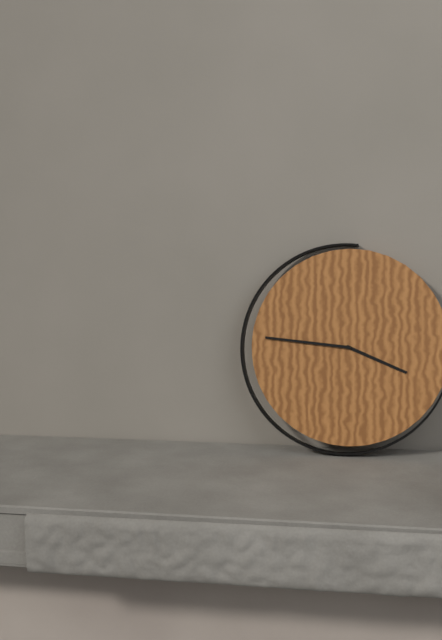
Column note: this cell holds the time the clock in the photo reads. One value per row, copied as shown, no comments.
3:46
